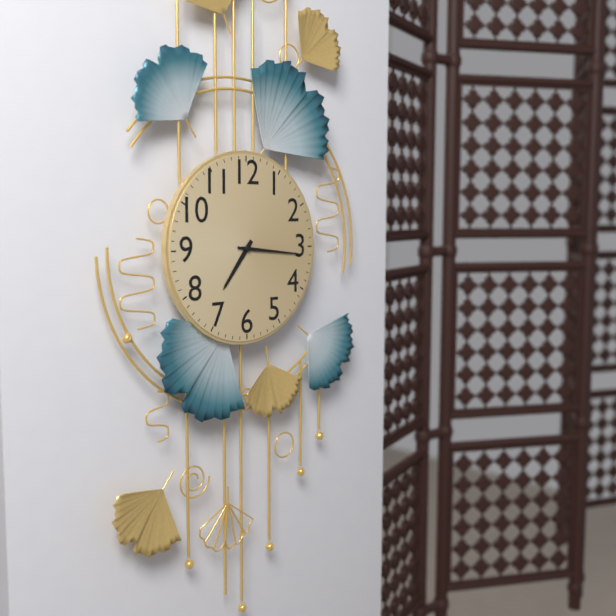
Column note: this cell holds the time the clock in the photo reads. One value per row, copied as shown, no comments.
7:16
